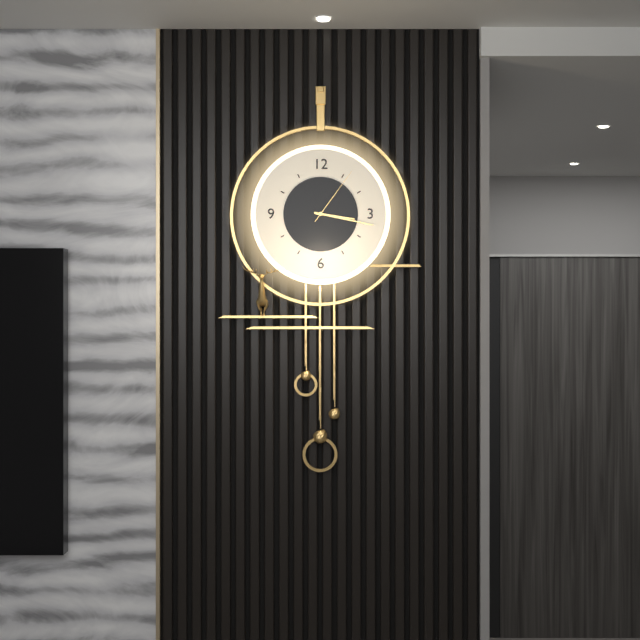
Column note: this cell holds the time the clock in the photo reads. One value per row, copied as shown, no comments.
3:17:06
